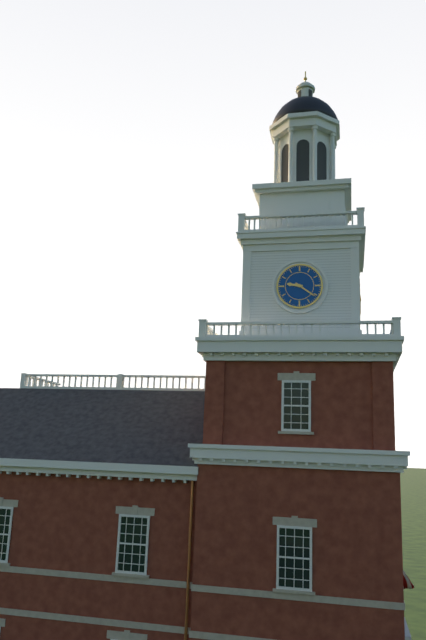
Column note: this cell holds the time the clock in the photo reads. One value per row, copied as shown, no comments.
9:21
